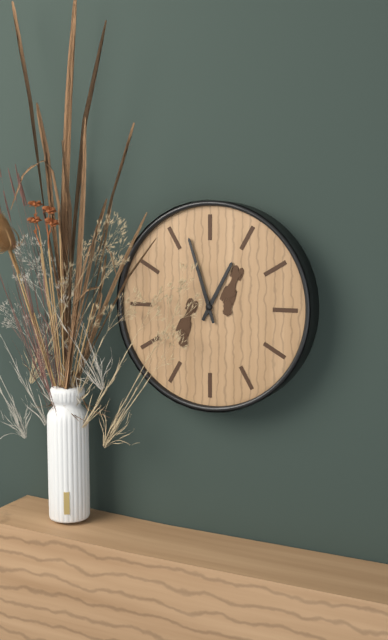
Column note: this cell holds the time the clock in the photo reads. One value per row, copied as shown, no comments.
12:57
